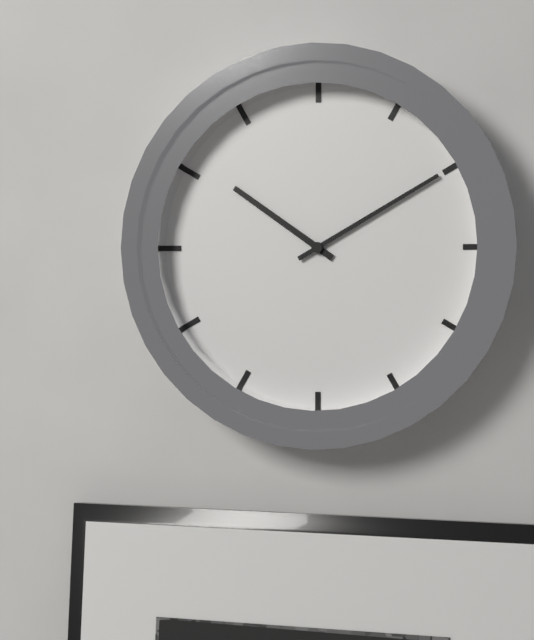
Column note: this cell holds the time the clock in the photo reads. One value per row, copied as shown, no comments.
10:10
